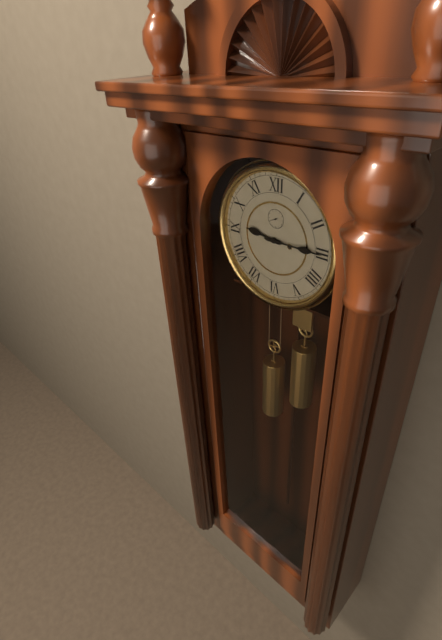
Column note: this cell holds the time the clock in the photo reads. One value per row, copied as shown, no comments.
9:15
